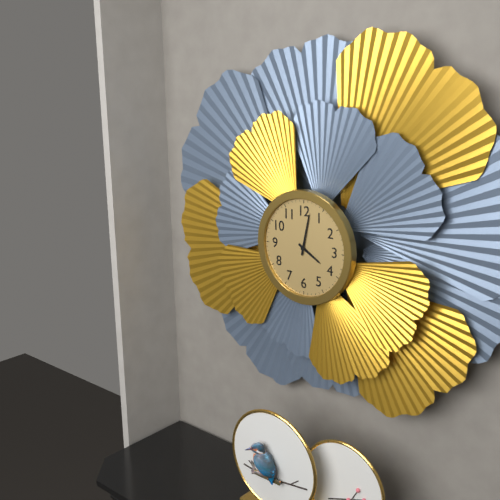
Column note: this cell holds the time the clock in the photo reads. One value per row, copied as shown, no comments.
4:02
